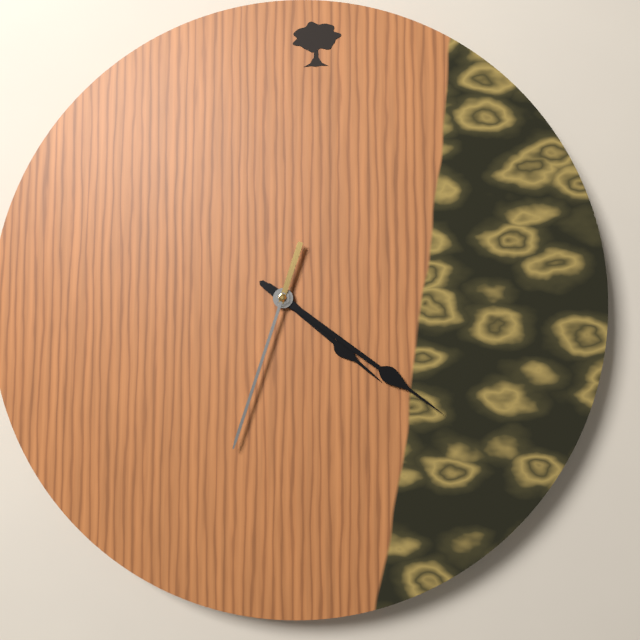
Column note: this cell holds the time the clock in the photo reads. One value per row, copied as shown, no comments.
4:21:33
